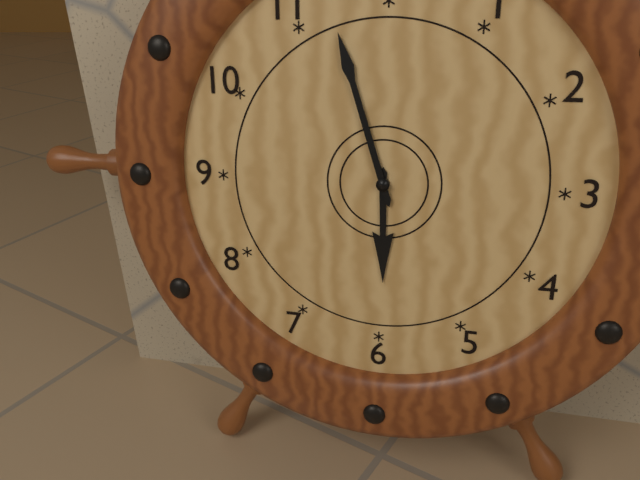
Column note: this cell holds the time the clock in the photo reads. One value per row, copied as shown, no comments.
5:57
